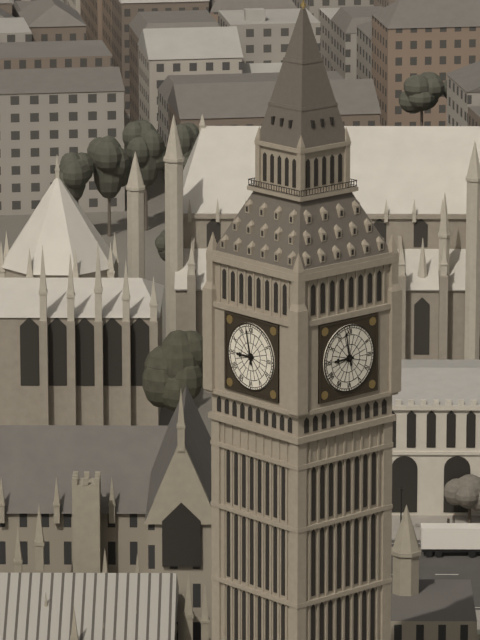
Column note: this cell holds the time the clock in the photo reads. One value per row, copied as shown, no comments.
8:58
